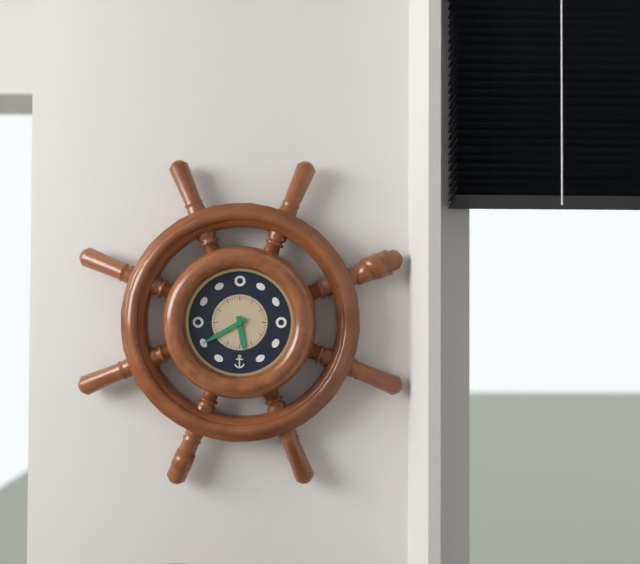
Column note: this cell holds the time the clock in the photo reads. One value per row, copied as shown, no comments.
5:40
